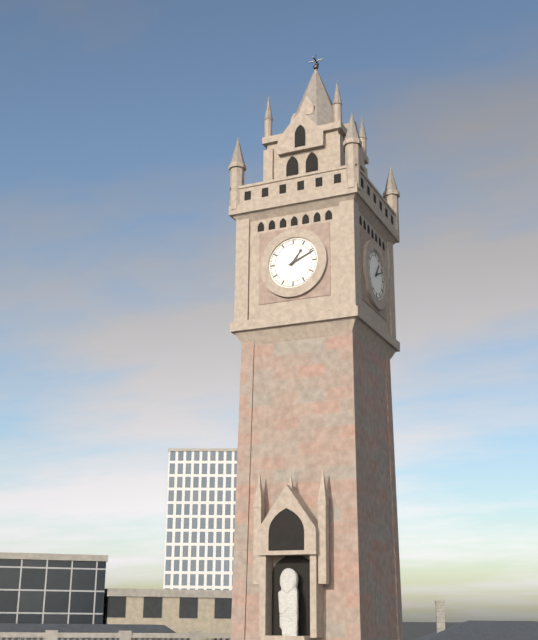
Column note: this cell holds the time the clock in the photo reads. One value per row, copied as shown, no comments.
1:11
